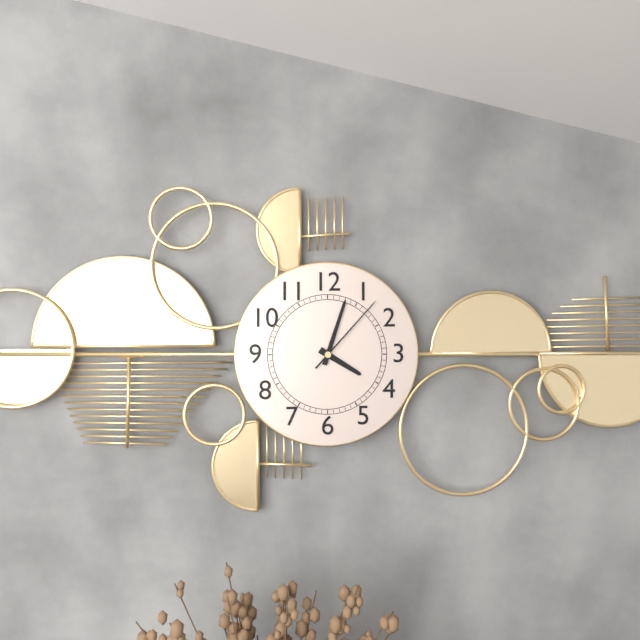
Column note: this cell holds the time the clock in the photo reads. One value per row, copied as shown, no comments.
4:03:07
